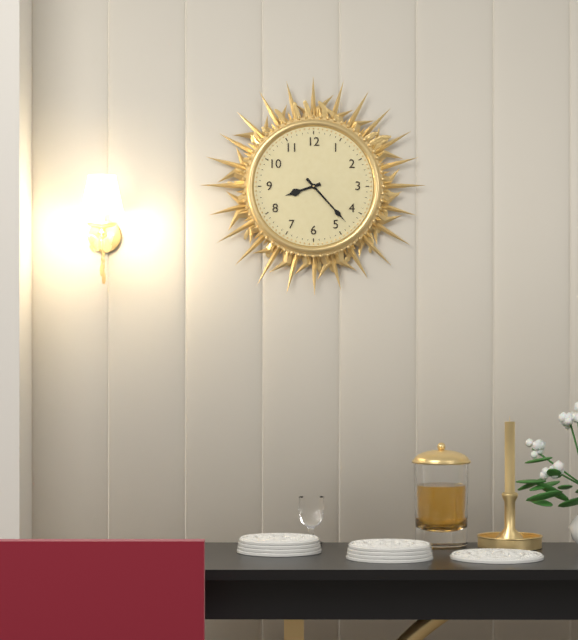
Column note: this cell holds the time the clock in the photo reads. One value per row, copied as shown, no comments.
8:23
